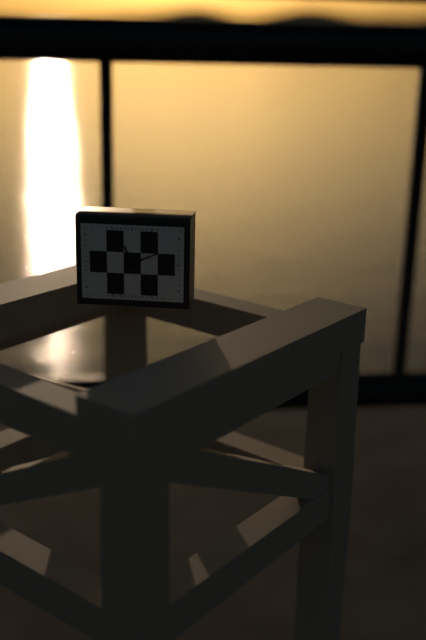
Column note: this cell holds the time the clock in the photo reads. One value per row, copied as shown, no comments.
11:11
